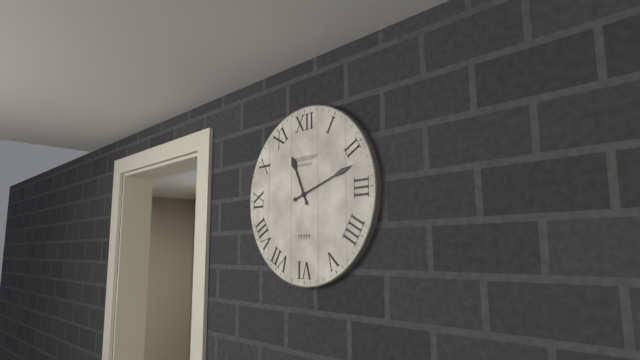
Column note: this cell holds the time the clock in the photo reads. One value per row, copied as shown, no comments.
11:12
